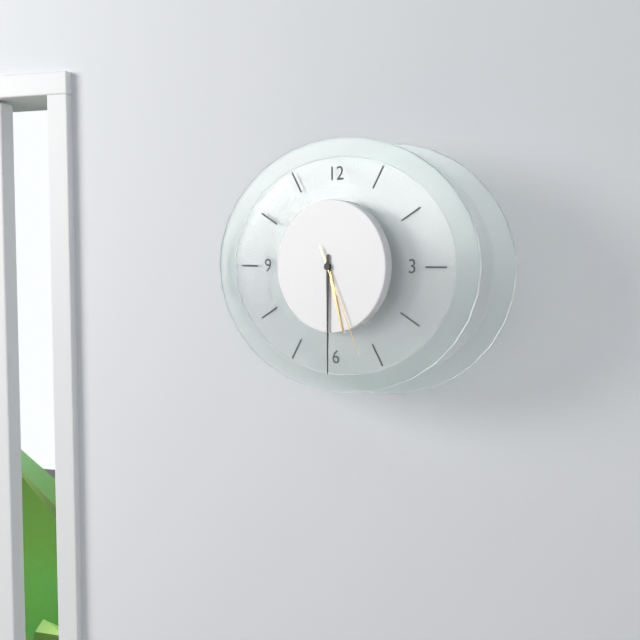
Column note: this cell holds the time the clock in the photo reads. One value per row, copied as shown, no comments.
5:30:26
